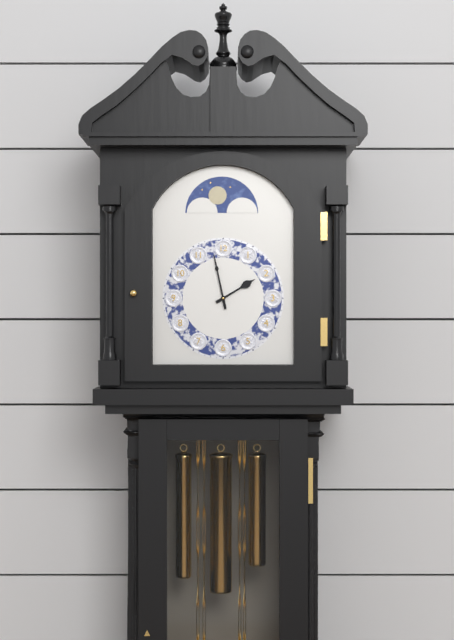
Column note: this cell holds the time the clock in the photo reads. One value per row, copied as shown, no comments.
1:58
